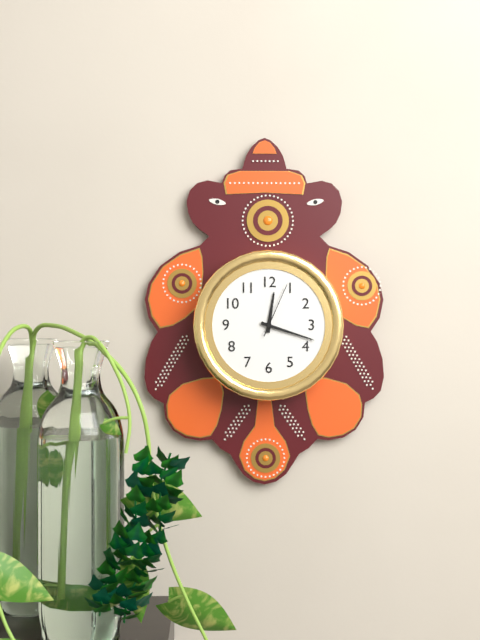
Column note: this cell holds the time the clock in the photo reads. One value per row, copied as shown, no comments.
12:18:04
